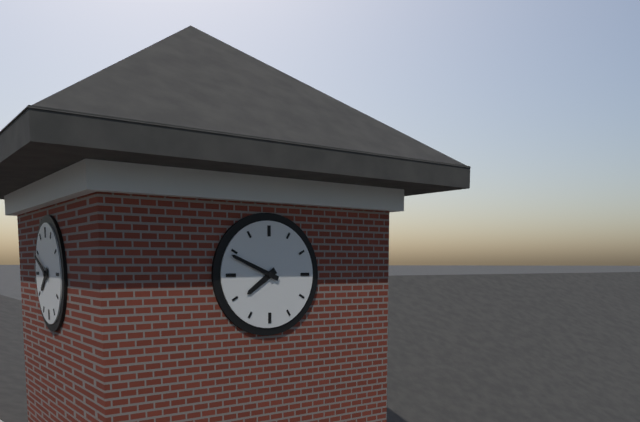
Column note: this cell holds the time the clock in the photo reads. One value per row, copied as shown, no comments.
7:49
